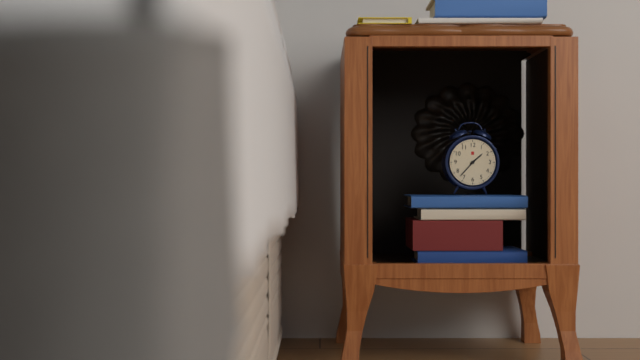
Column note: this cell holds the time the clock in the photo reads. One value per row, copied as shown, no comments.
1:37
